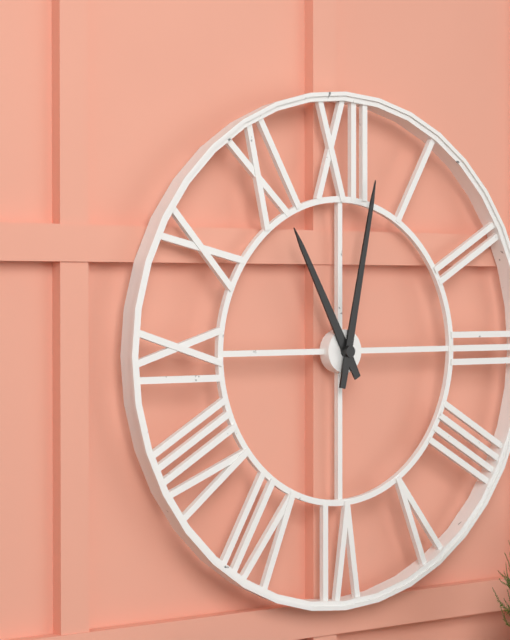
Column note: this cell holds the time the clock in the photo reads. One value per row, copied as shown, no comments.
11:02
